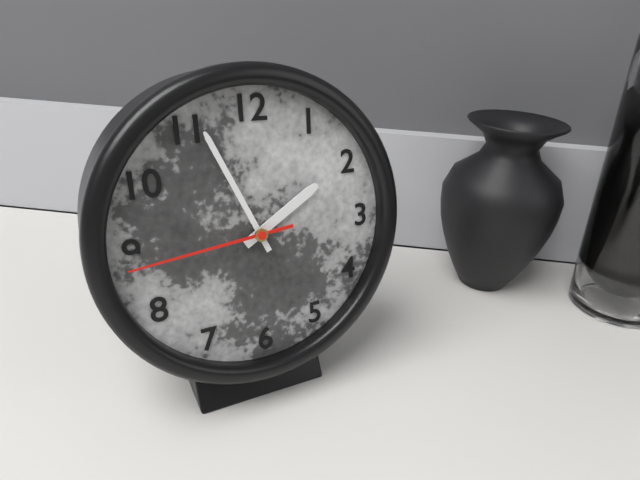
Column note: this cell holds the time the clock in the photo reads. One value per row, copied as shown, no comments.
1:56:44
